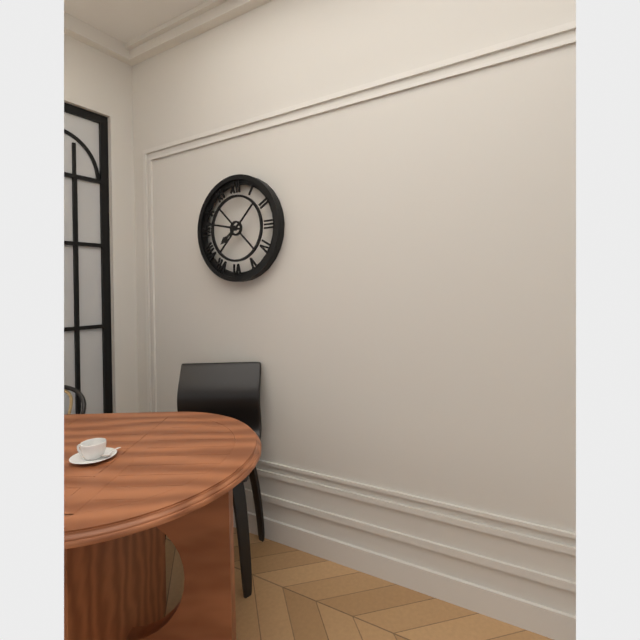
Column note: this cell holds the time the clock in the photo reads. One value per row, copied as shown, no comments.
7:47
